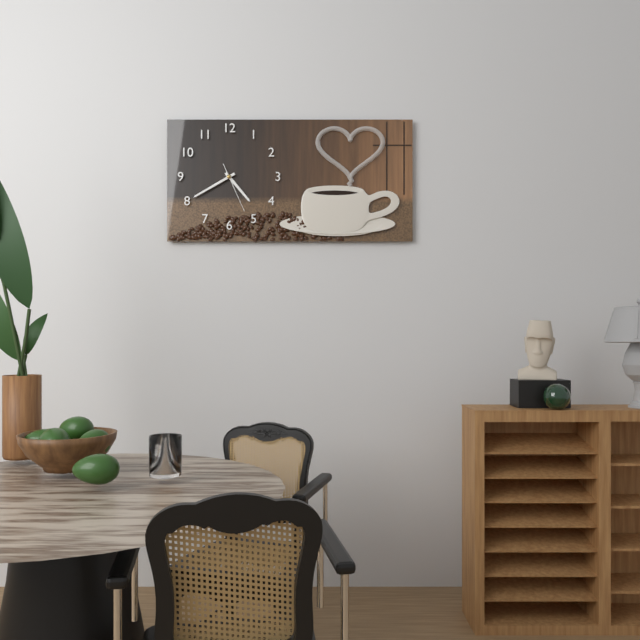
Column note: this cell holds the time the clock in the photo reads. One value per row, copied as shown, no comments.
4:40
